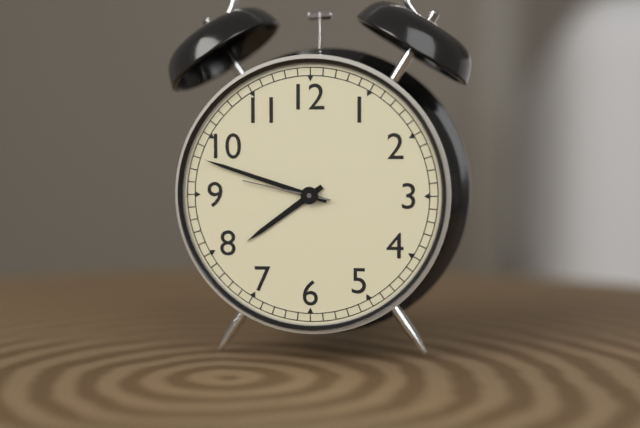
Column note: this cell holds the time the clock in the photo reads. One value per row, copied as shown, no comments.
7:48:47
